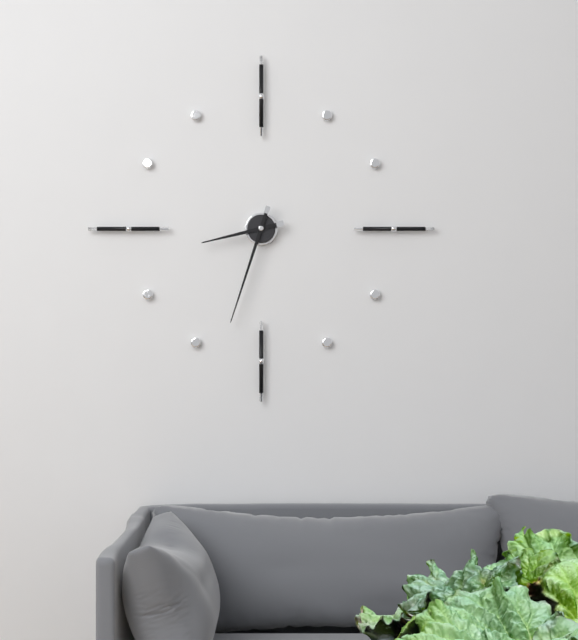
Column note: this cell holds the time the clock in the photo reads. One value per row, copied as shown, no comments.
8:33
